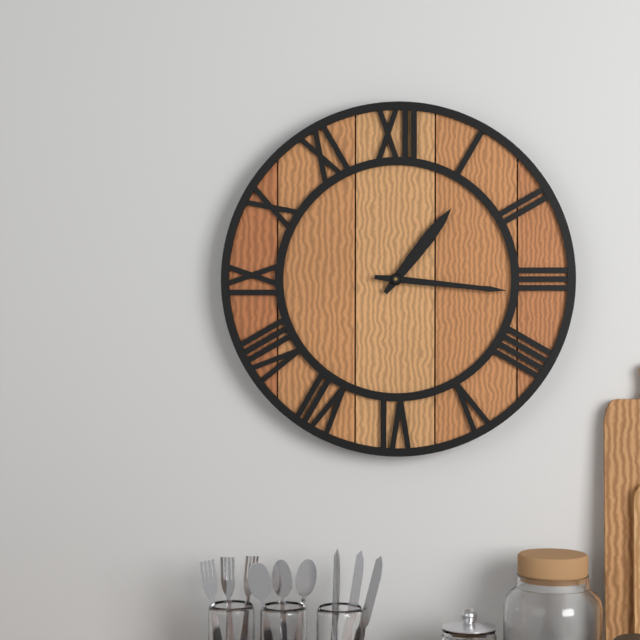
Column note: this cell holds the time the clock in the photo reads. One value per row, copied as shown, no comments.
1:16
